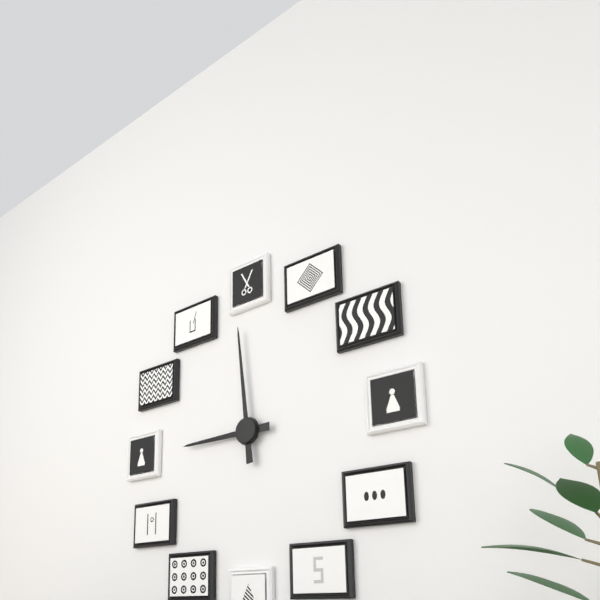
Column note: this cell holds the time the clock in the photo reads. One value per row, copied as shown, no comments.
8:59
